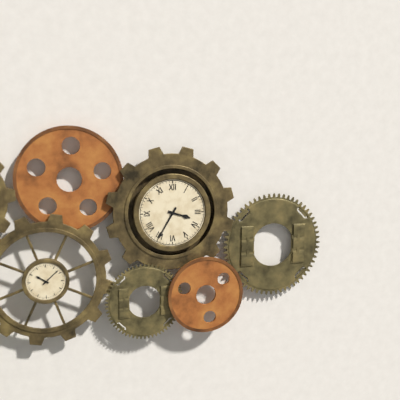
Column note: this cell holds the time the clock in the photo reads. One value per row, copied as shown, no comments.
3:35
